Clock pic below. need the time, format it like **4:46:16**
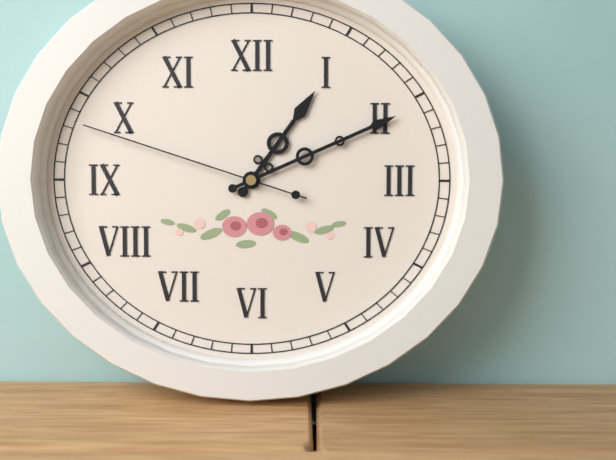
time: **1:11:48**
